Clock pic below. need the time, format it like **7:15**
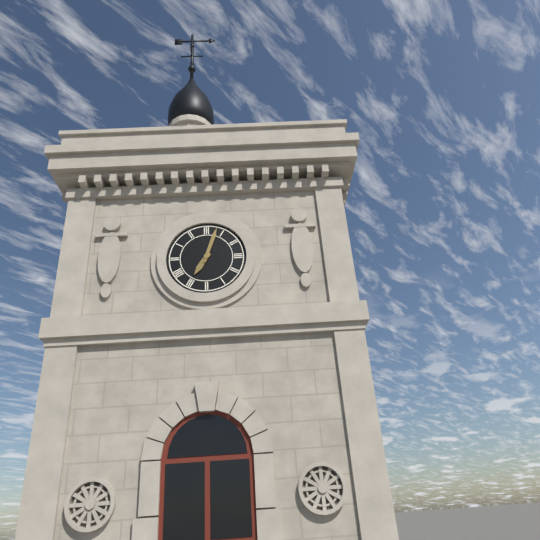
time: **7:03**
